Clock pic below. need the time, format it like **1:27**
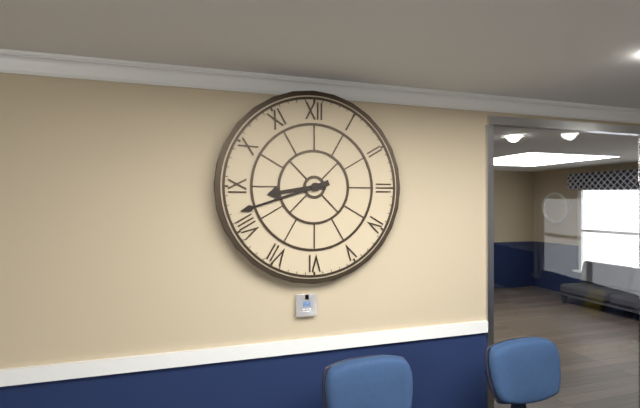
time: **8:42**
